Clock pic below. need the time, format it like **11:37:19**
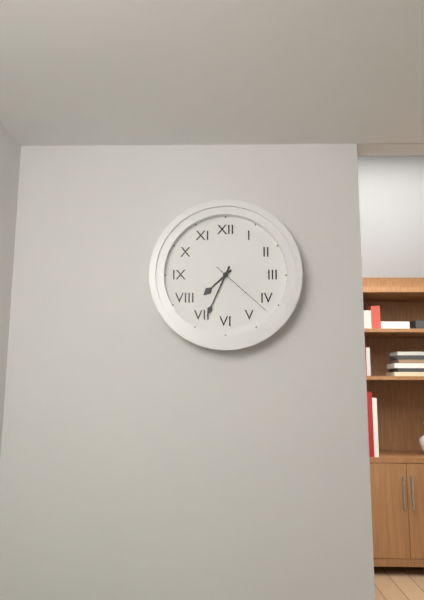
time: **7:34:22**
